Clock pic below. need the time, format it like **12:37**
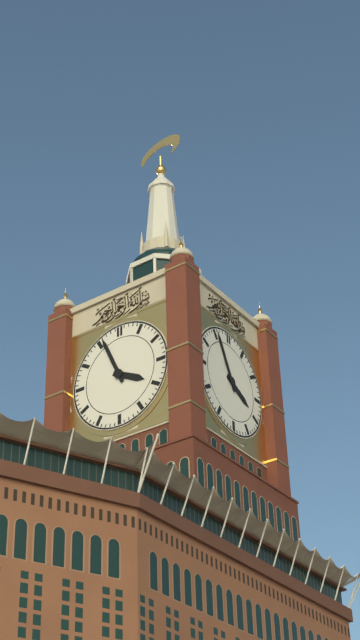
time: **3:56**
